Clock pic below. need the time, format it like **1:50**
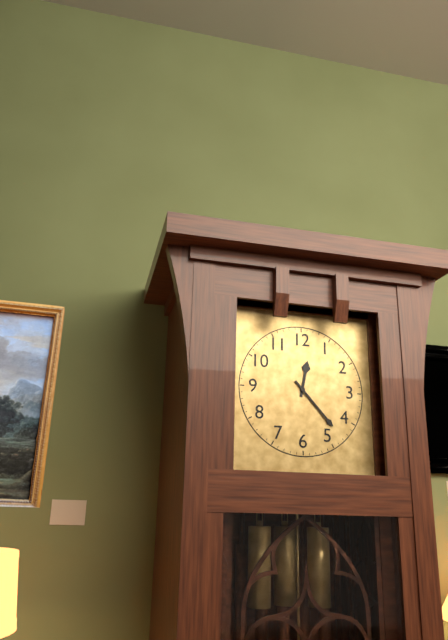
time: **12:23**
